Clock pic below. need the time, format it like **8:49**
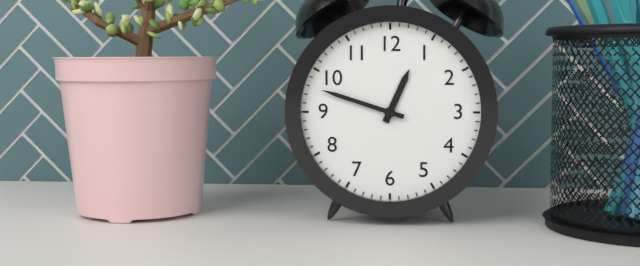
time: **12:48**
